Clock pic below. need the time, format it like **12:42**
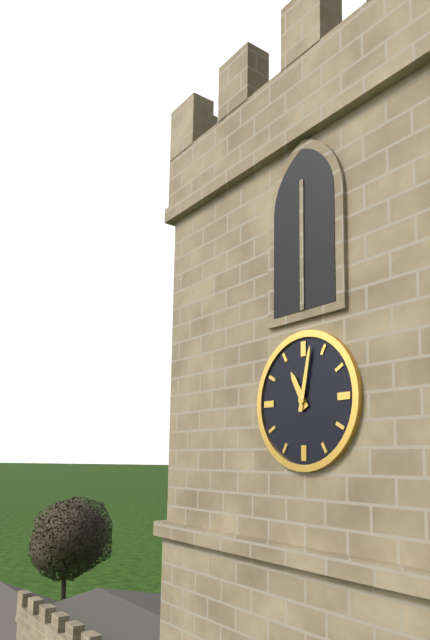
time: **11:02**
